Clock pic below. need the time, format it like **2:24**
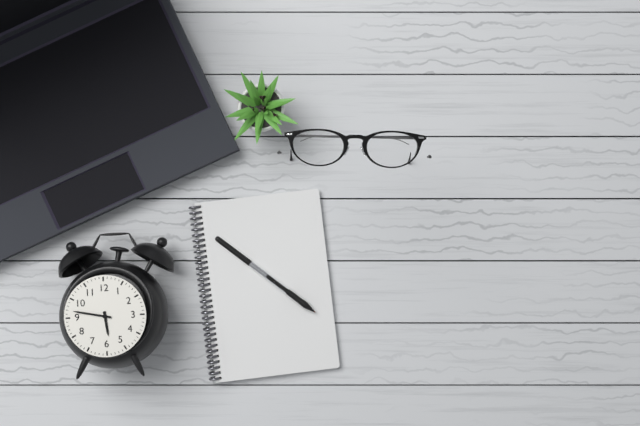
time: **5:47**
